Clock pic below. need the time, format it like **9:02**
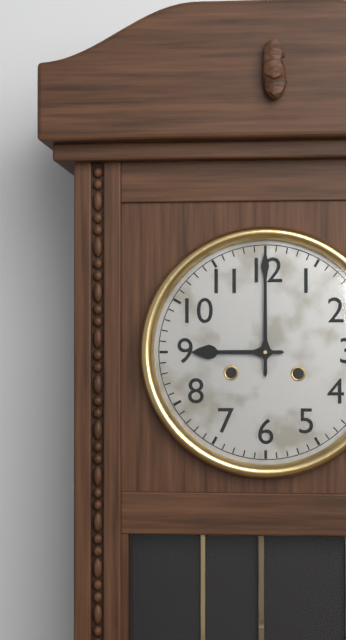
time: **9:00**
